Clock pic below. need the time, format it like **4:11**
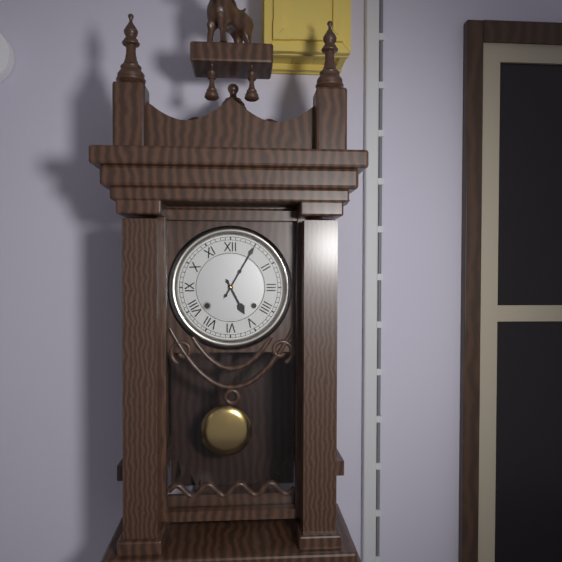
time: **5:05**
